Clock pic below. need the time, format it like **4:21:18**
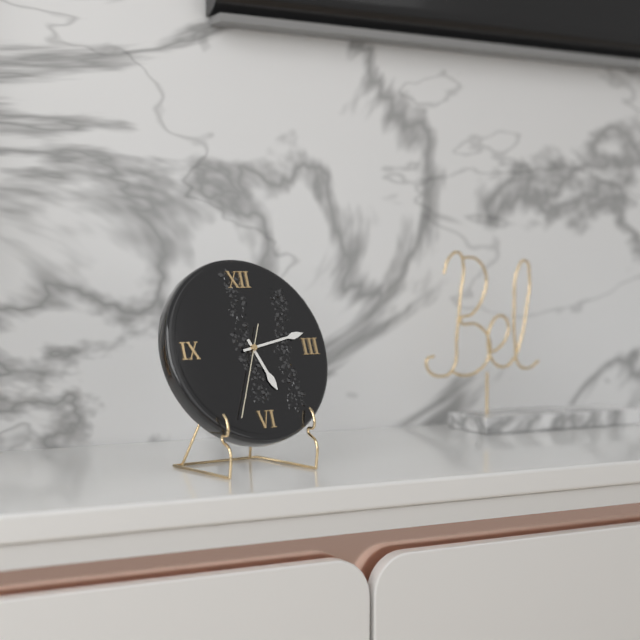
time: **5:13:34**
